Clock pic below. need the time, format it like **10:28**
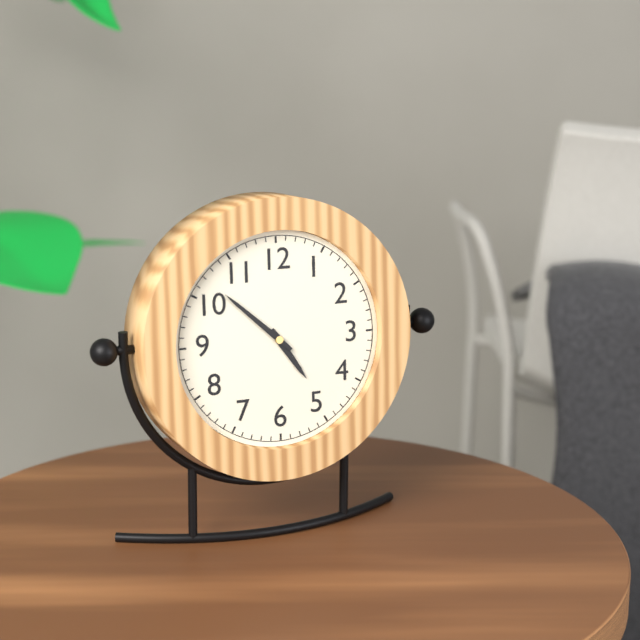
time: **4:52**
